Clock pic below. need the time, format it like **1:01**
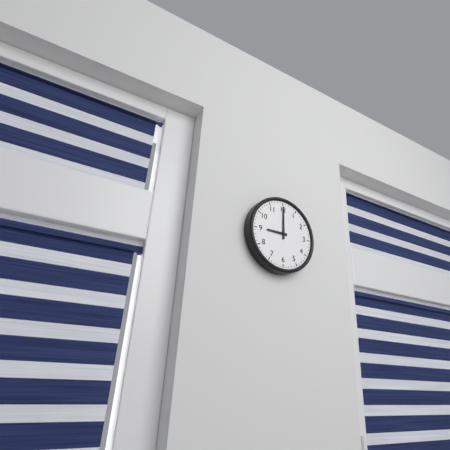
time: **9:00**
